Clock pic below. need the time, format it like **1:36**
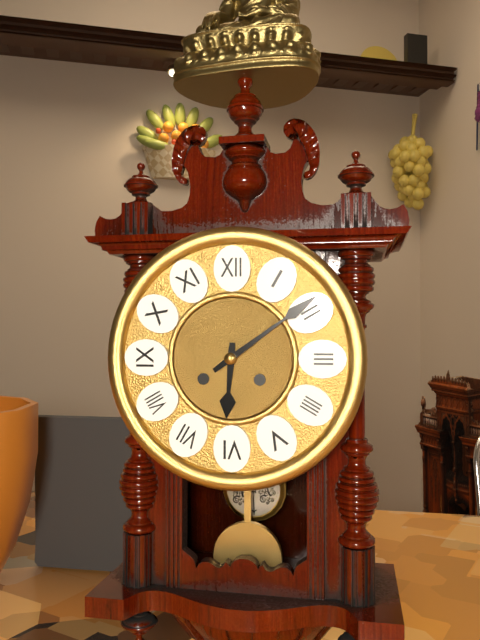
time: **6:09**
